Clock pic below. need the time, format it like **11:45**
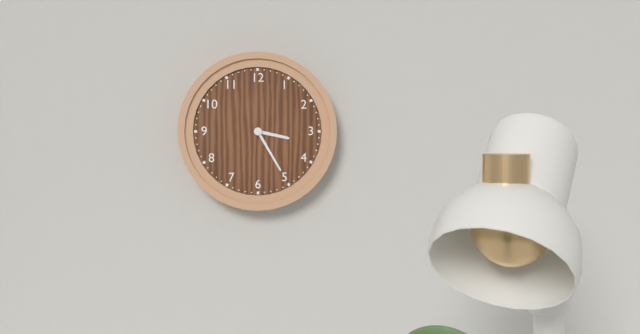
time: **3:25**
